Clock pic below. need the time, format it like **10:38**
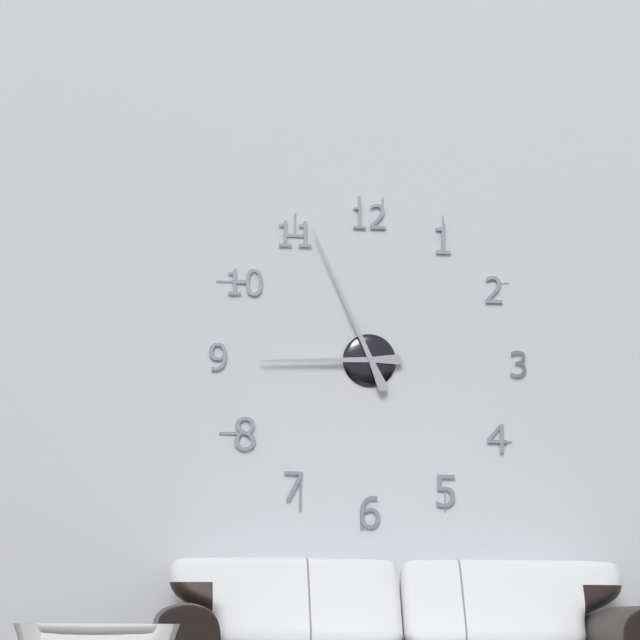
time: **8:56**
